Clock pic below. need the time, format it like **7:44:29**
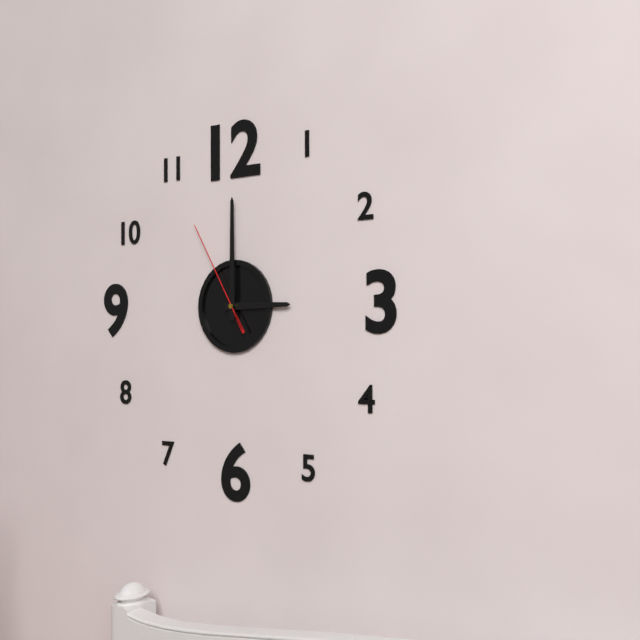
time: **3:00:55**
